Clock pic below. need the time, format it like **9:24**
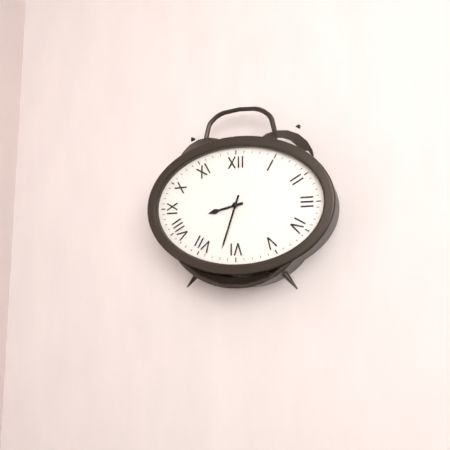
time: **8:33**
